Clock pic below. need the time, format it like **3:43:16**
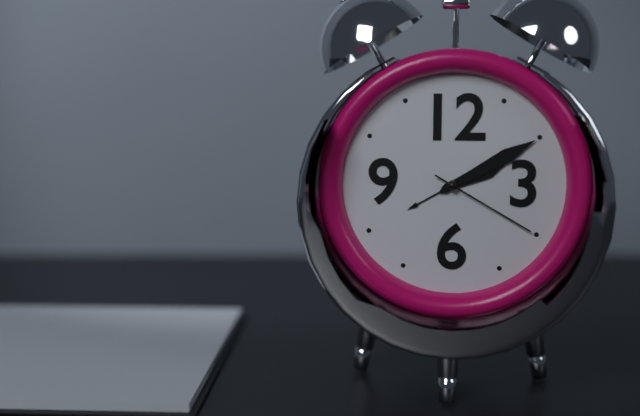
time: **2:10:20**
